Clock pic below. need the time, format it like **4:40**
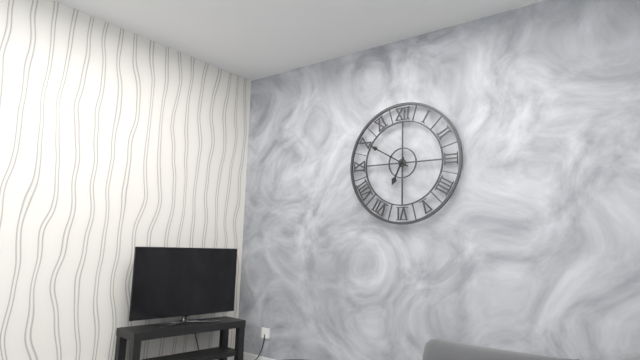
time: **6:50**
